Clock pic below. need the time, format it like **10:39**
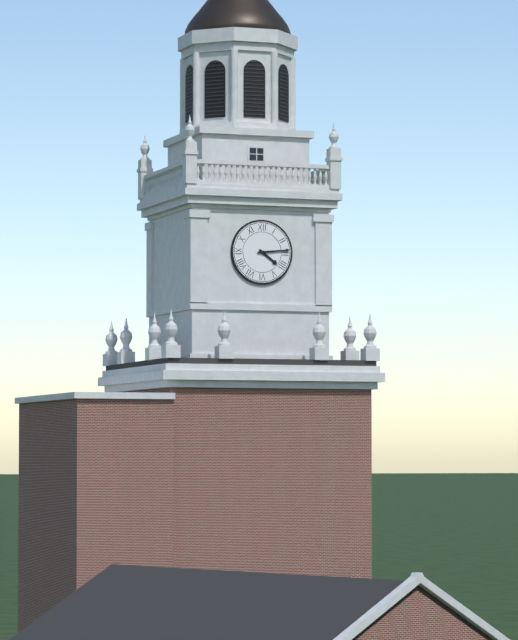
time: **4:14**
